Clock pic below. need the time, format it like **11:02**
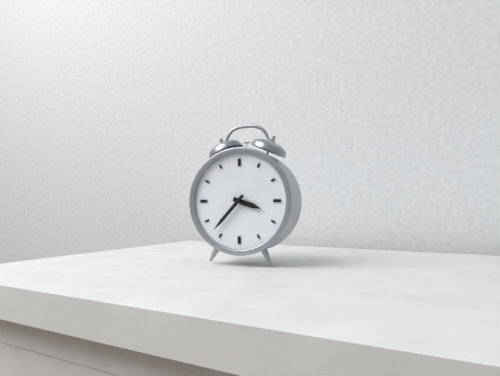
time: **3:37**
